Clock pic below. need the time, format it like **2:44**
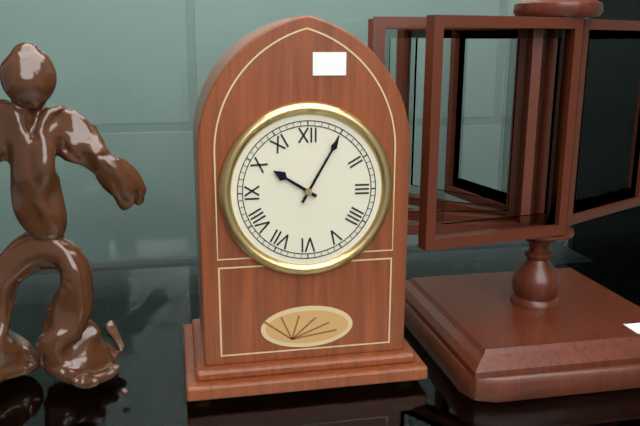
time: **10:05**
